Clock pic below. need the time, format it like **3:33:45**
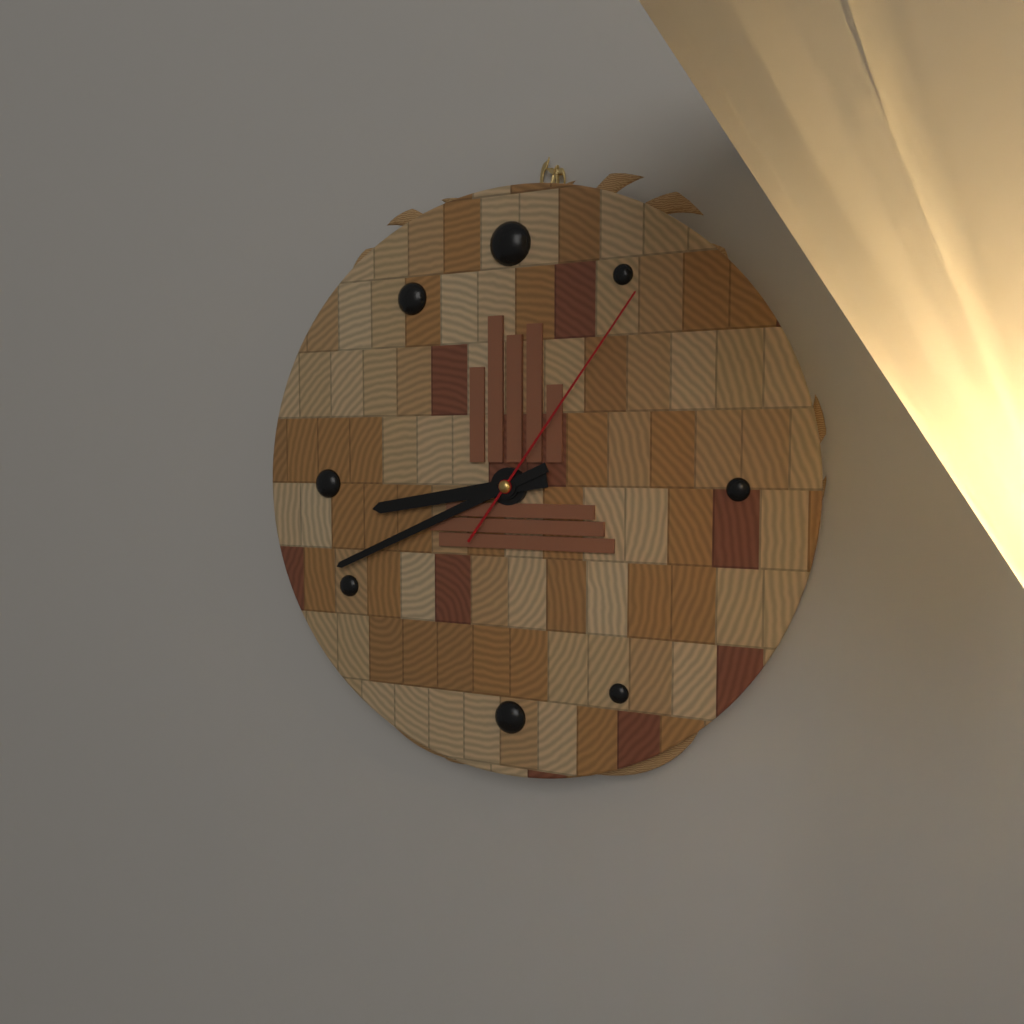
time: **8:41:06**
